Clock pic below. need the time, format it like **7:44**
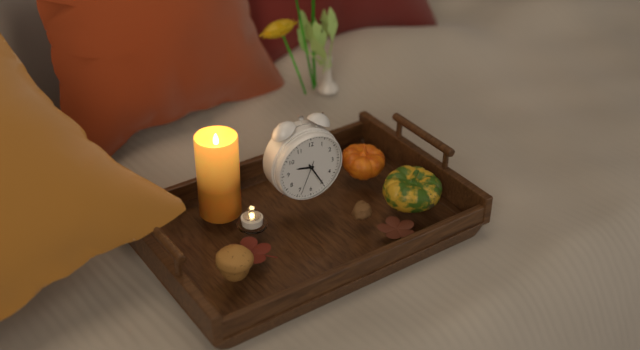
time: **9:25**
